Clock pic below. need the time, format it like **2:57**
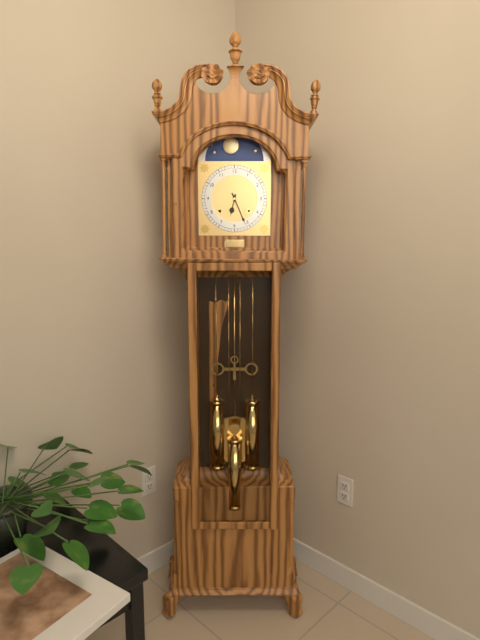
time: **6:26**
